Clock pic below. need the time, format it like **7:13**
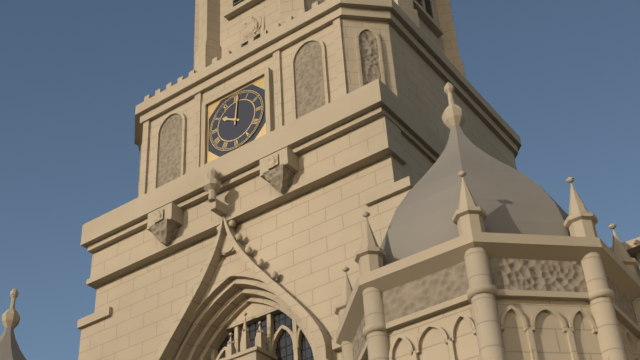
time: **10:01**
